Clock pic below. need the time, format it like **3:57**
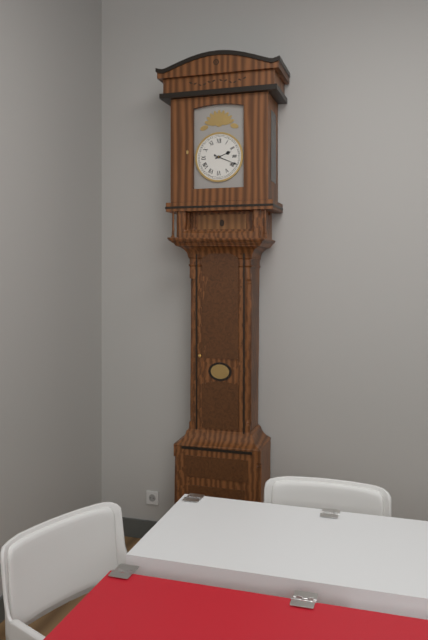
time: **2:19**
